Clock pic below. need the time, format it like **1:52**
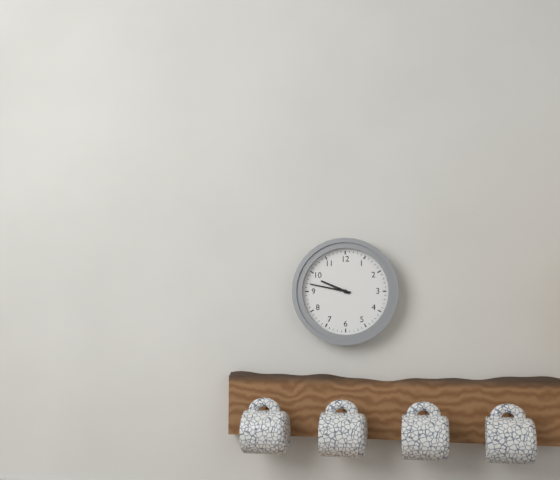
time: **9:47**
